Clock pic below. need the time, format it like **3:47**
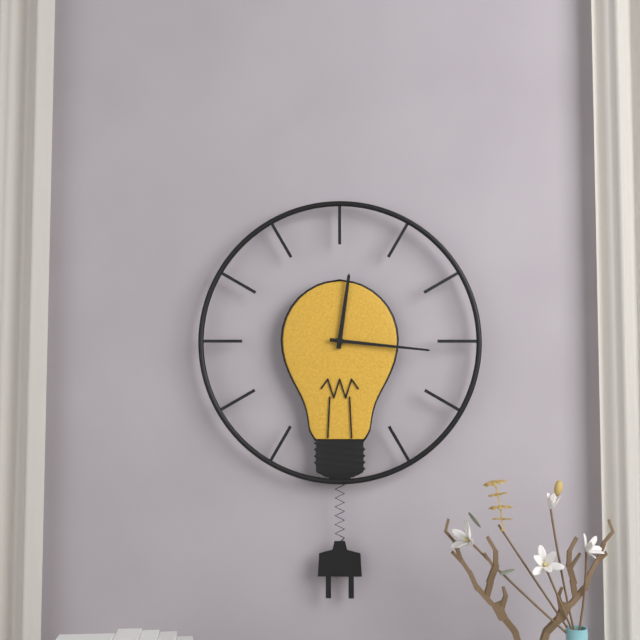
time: **12:16**
